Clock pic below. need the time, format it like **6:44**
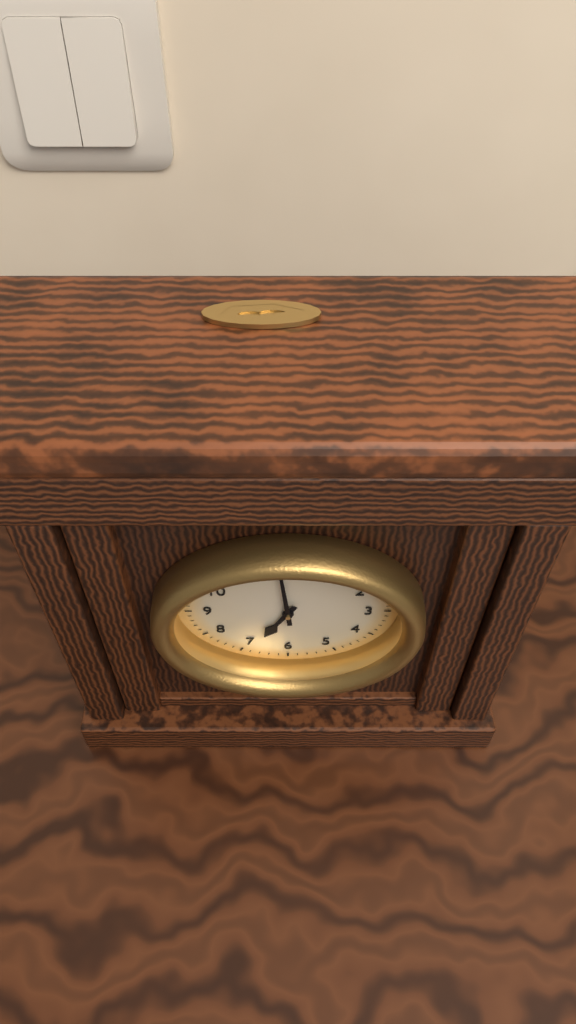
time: **6:59**
